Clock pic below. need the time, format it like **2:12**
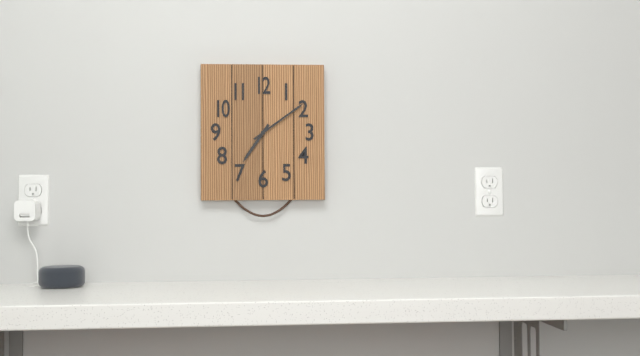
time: **7:09**
